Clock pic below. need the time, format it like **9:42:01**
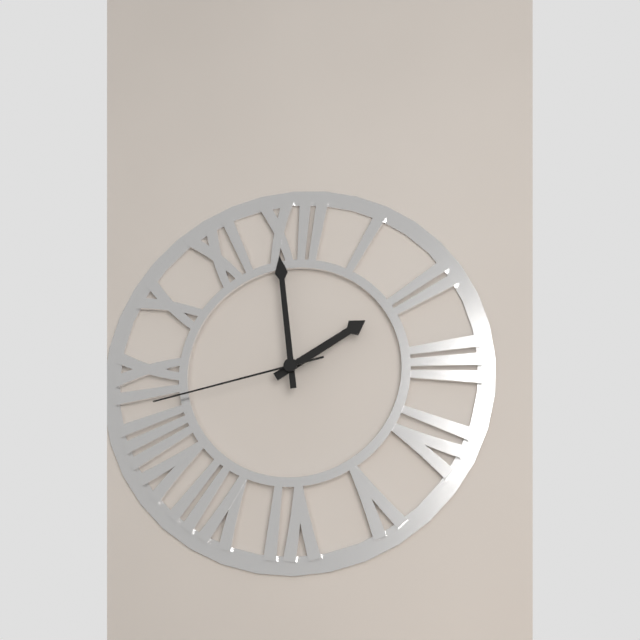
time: **1:59:43**
